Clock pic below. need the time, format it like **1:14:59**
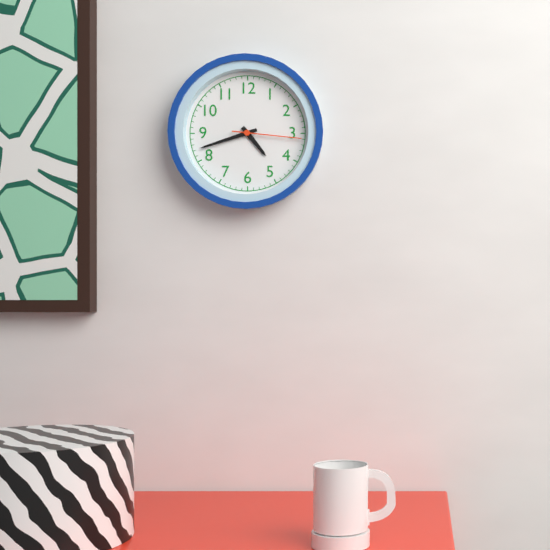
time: **4:42:16**
